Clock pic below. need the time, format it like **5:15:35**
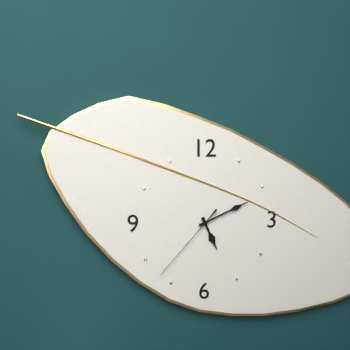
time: **5:11:37**
